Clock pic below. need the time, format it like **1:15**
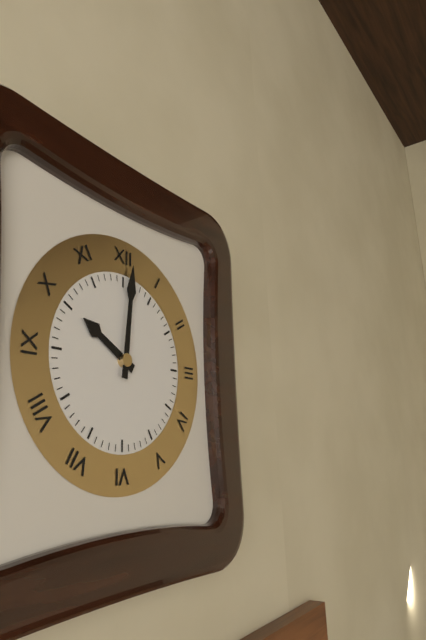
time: **10:01**
